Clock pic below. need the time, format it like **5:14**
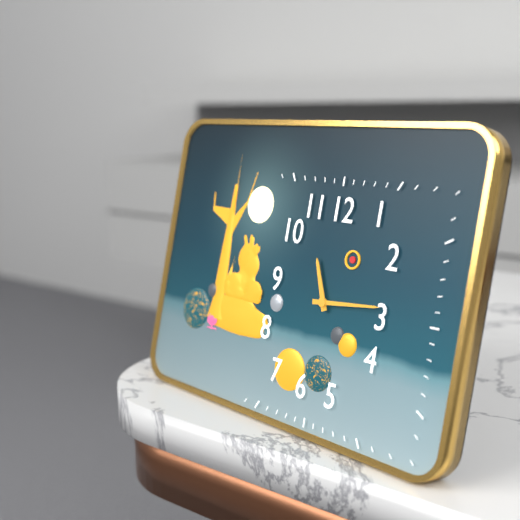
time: **11:14**
